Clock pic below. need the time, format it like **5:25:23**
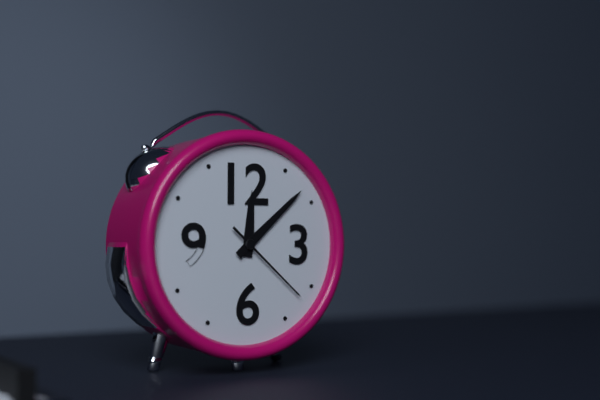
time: **12:08:22**
